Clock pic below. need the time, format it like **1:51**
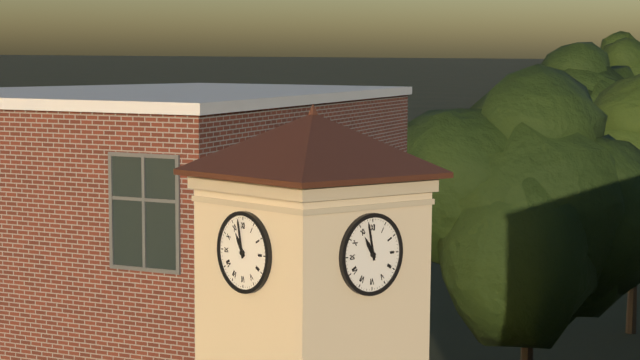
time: **10:58**
